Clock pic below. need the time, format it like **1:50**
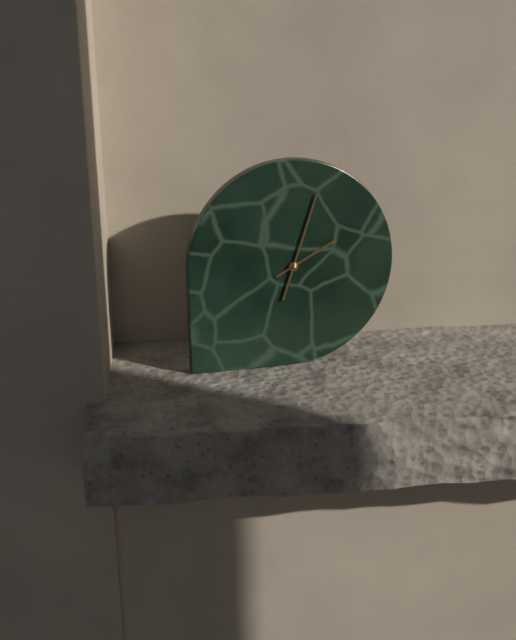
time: **2:03**
